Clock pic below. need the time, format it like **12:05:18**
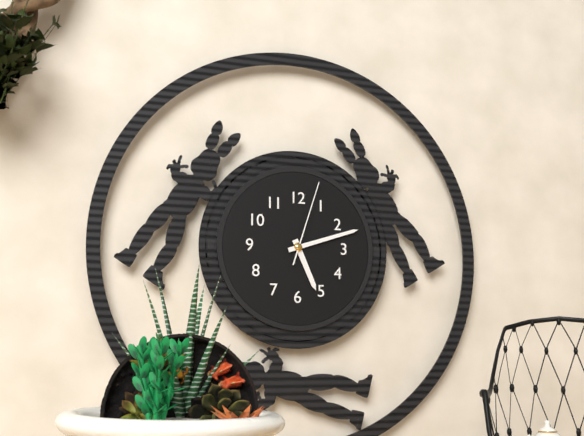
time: **5:12:03**
